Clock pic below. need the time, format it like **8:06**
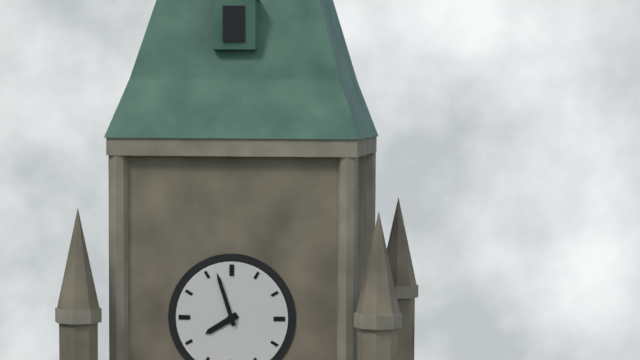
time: **7:57**
